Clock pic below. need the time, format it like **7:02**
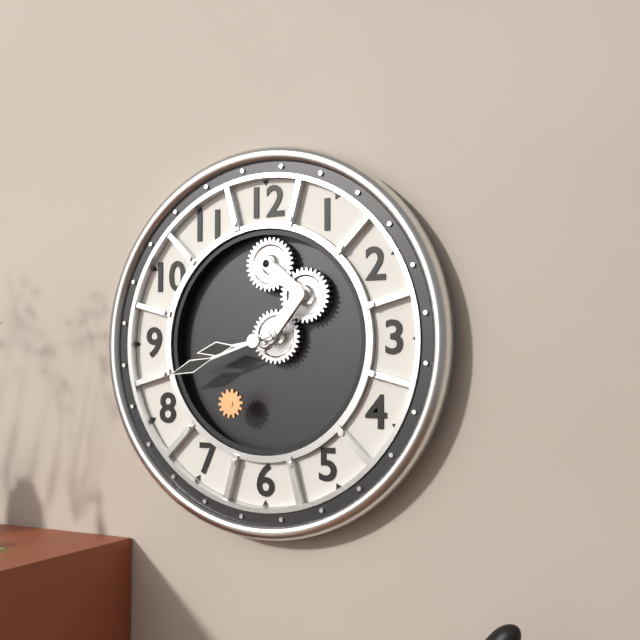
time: **8:42**
